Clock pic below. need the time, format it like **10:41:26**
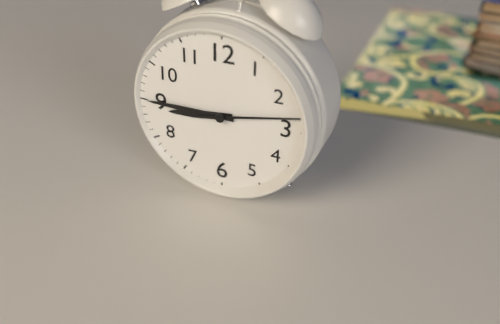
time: **8:45:13**
